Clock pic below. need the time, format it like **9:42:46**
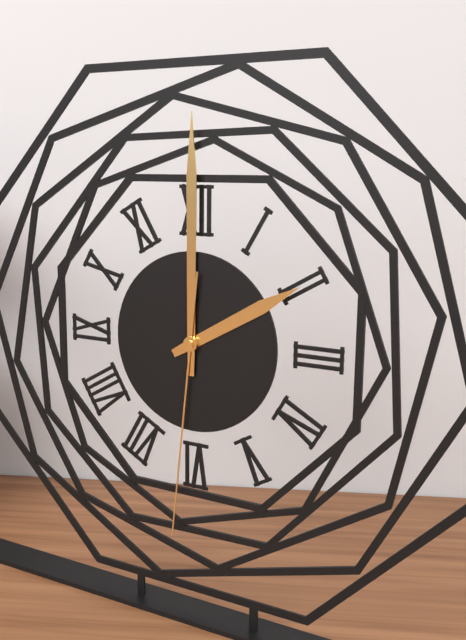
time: **2:00:31**
